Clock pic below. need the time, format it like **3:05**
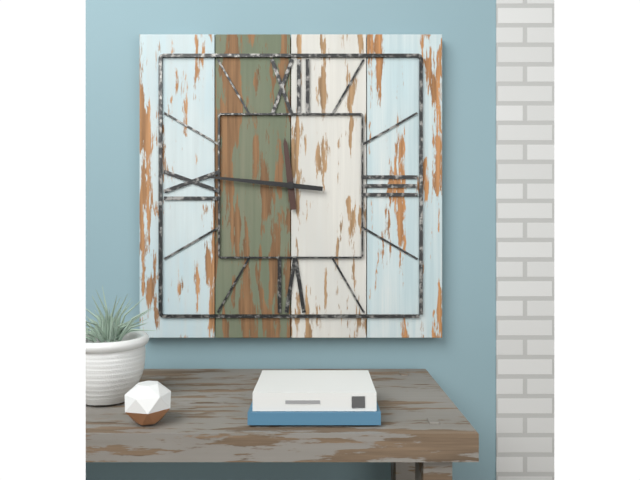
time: **11:46**
